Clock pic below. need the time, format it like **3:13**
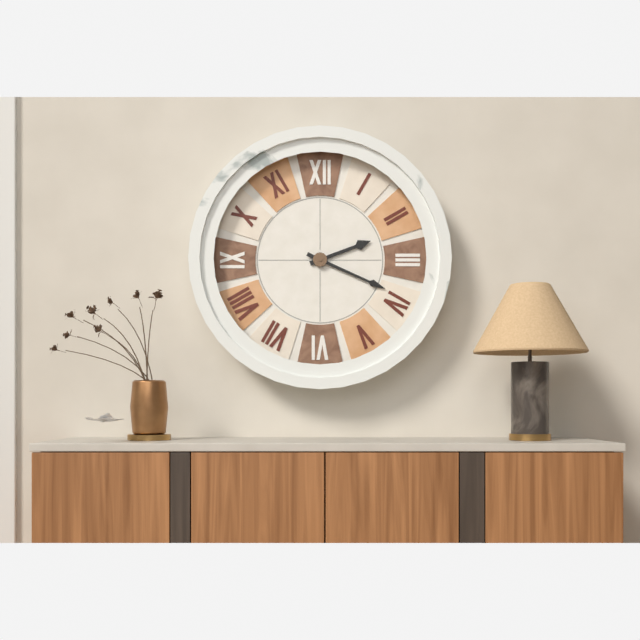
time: **2:19**
